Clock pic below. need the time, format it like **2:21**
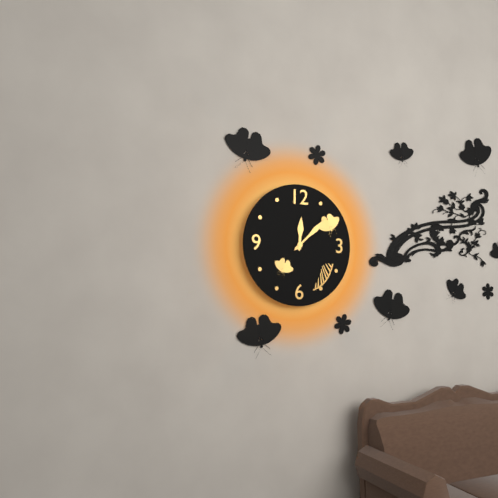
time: **12:08**
